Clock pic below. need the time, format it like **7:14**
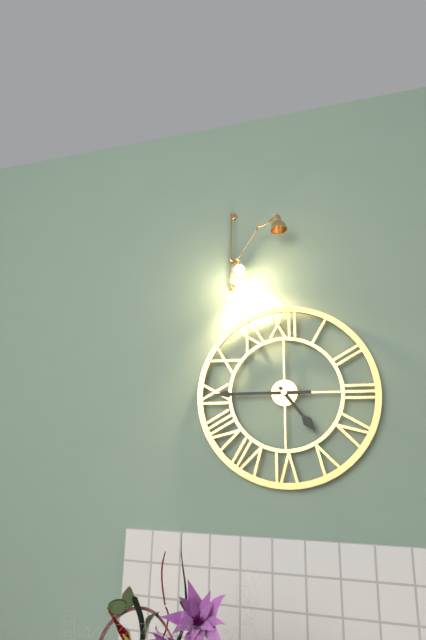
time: **4:45**
